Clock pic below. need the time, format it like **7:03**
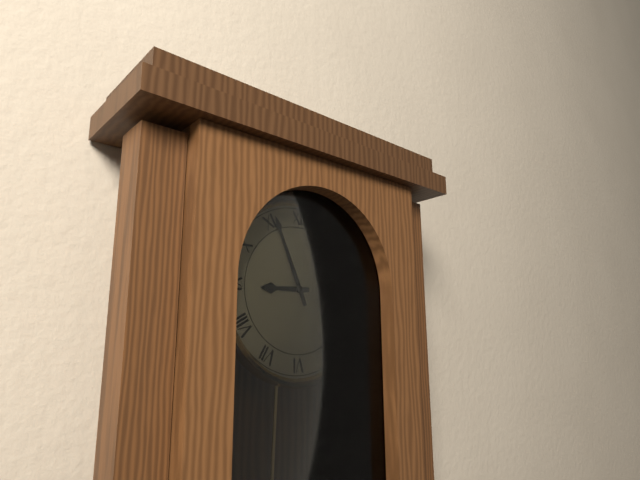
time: **8:56**
